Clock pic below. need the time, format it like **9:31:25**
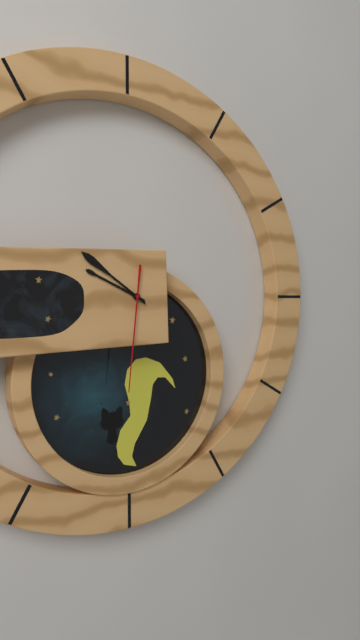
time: **9:51:31**
